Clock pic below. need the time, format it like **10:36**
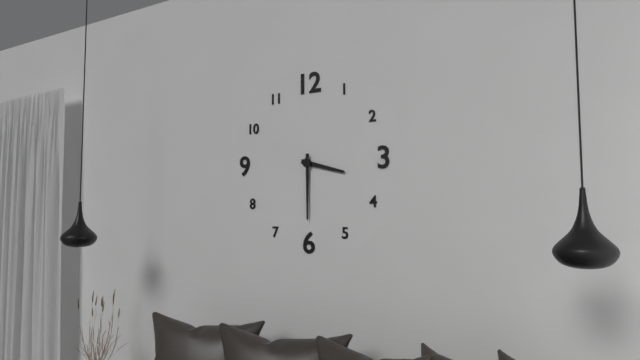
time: **3:30**
